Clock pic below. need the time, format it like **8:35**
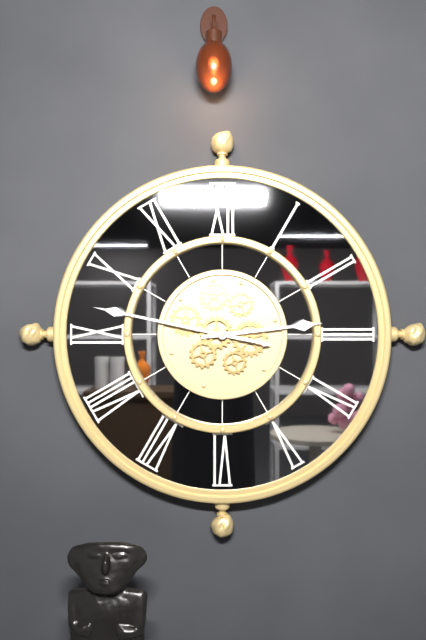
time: **2:47**
